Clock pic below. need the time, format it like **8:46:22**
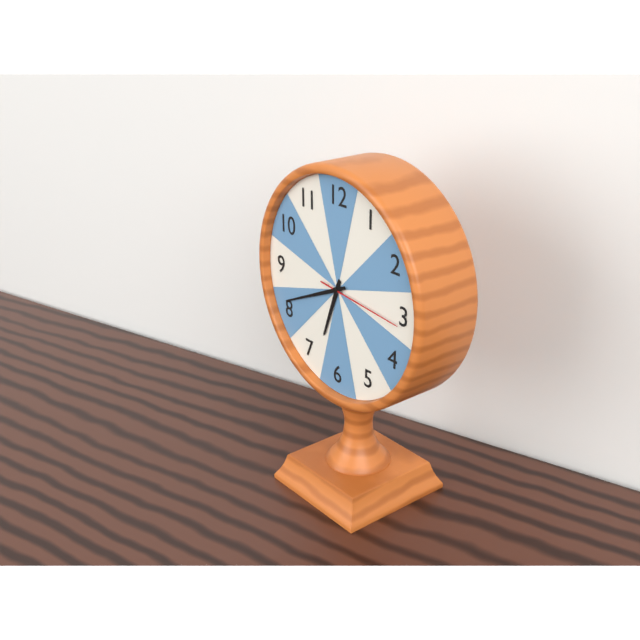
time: **6:41:16**
